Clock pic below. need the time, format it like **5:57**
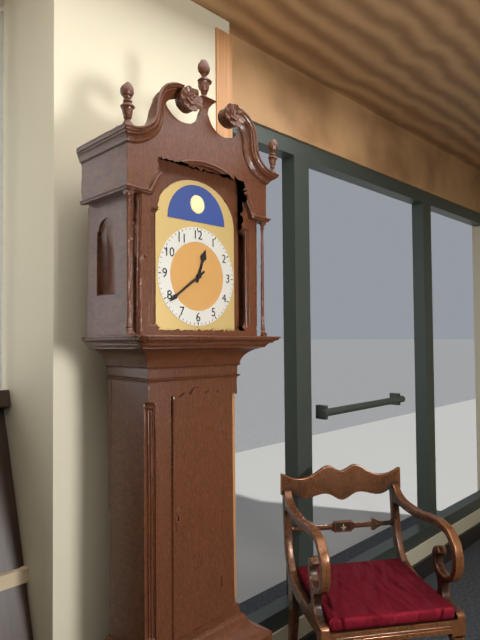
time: **12:39**
